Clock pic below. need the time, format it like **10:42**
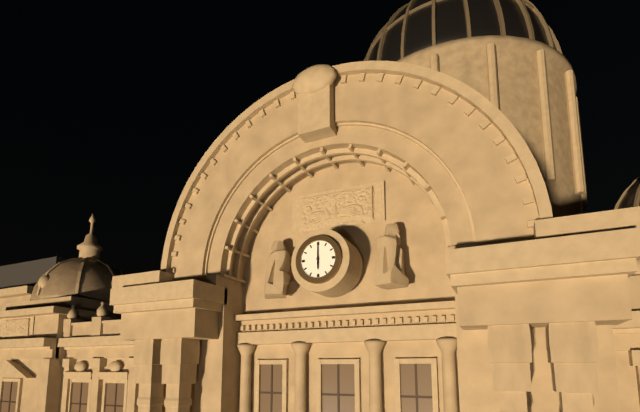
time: **6:00**
